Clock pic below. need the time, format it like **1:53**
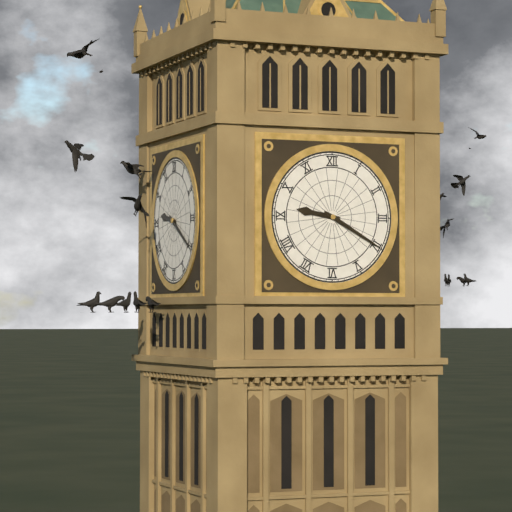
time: **9:20**
